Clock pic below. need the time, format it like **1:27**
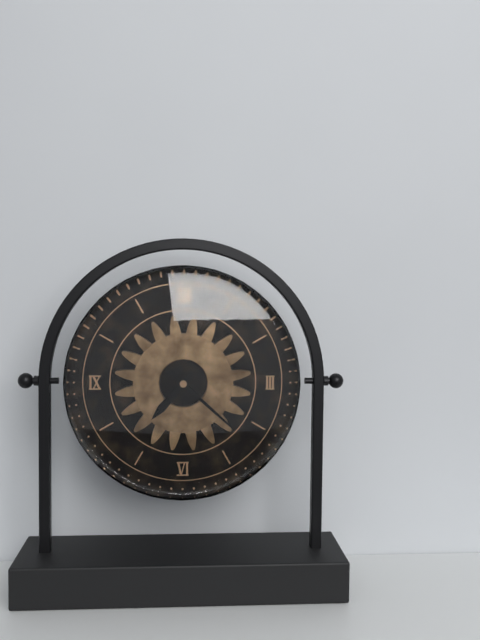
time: **7:22**
